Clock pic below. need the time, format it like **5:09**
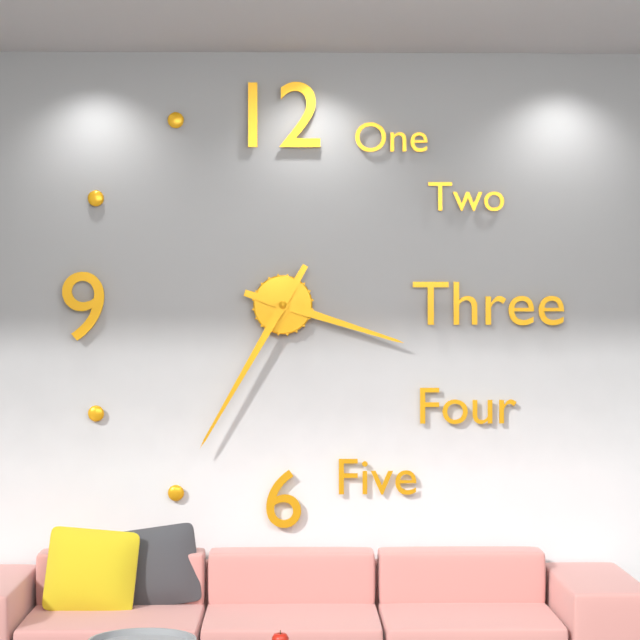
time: **3:35**
